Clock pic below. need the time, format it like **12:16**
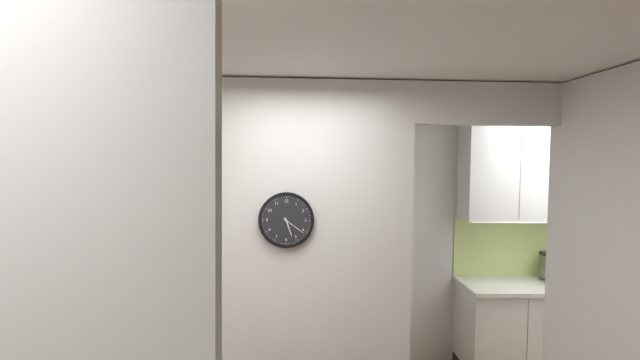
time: **5:21**
